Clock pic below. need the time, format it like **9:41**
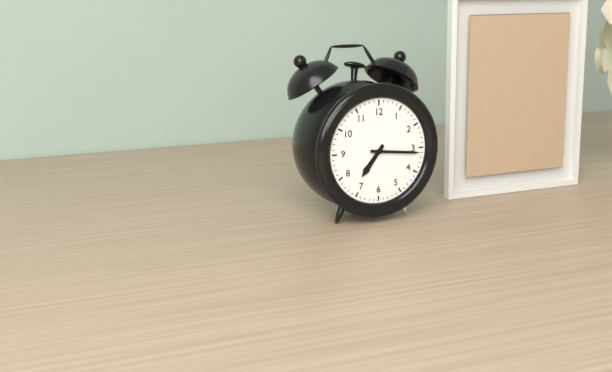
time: **7:16**
